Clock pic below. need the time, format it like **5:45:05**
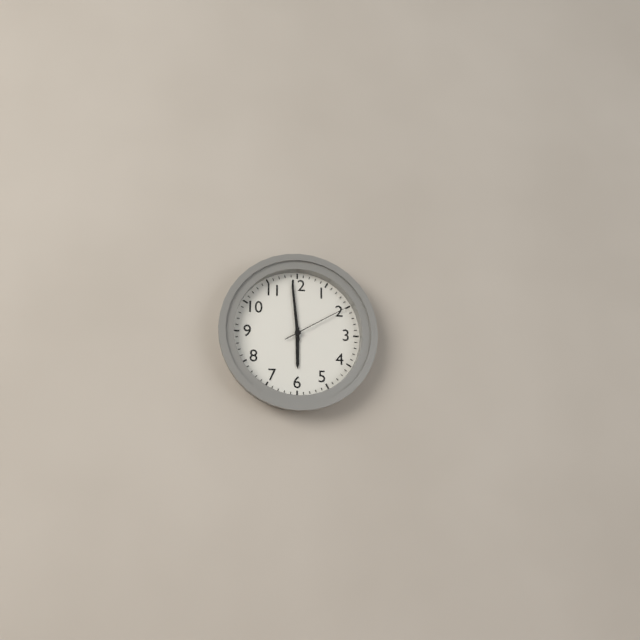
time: **5:59:10**
